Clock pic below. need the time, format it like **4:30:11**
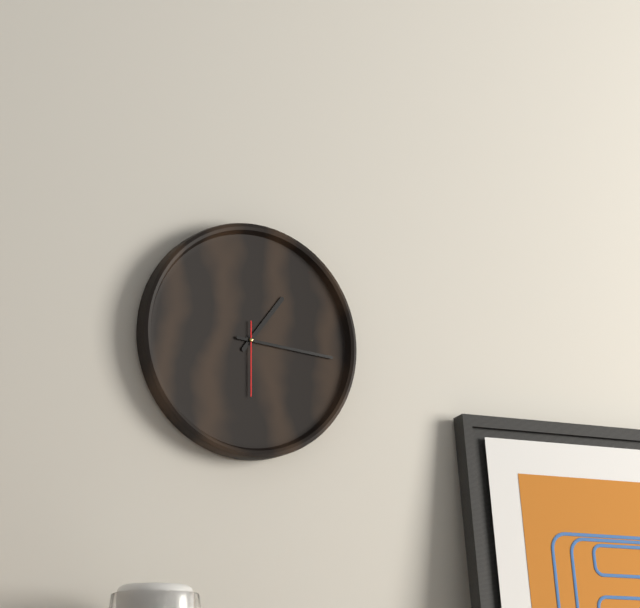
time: **1:16:30**
